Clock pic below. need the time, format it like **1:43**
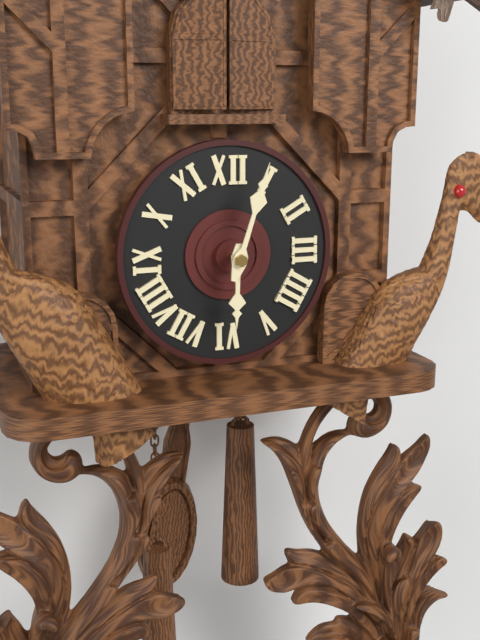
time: **6:03**
